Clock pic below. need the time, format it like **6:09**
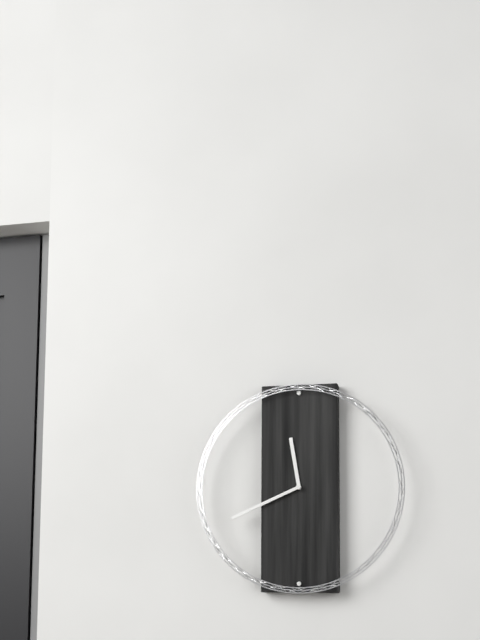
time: **11:41**
